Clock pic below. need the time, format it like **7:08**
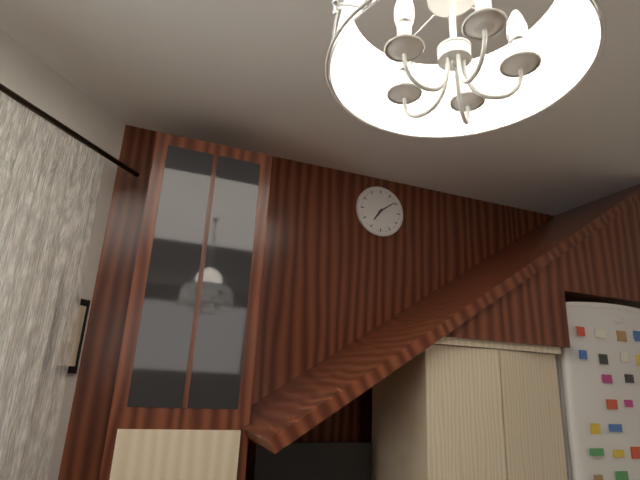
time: **7:09**
